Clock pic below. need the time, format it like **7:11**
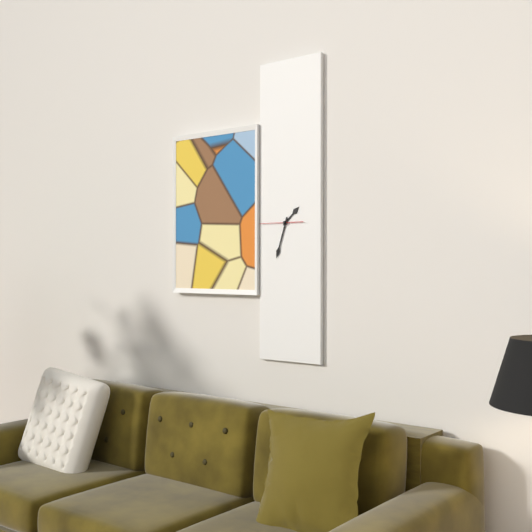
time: **1:33**
